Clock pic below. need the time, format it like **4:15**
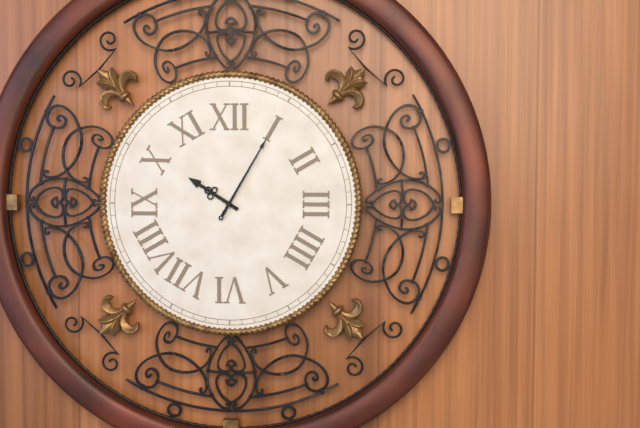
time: **10:05**
